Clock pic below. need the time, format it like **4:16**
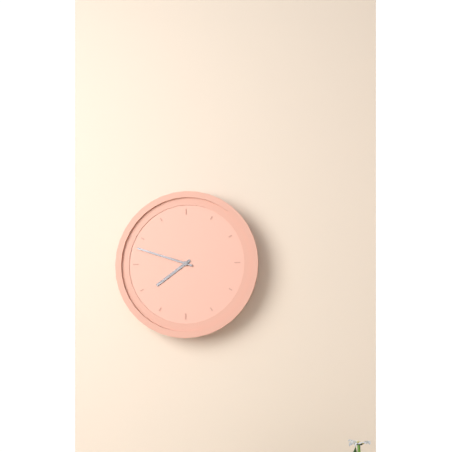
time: **7:48**
